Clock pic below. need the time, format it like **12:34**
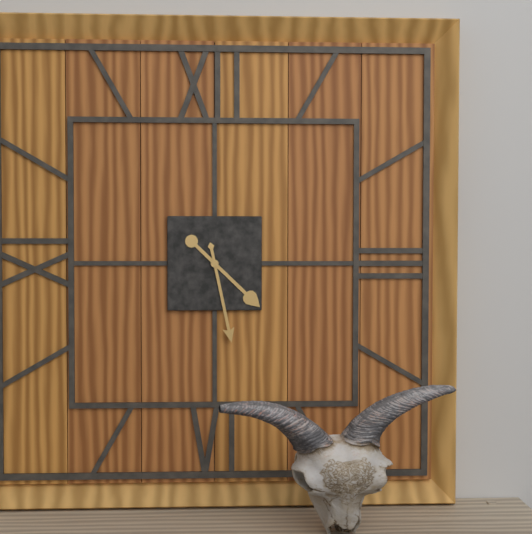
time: **4:28**
